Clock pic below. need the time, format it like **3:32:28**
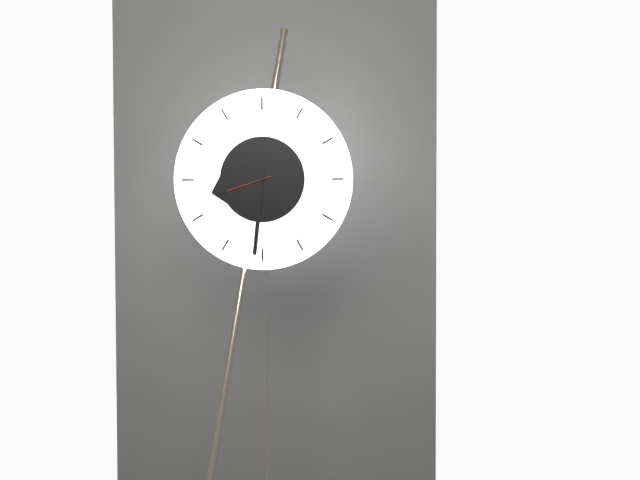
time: **8:31:42**
